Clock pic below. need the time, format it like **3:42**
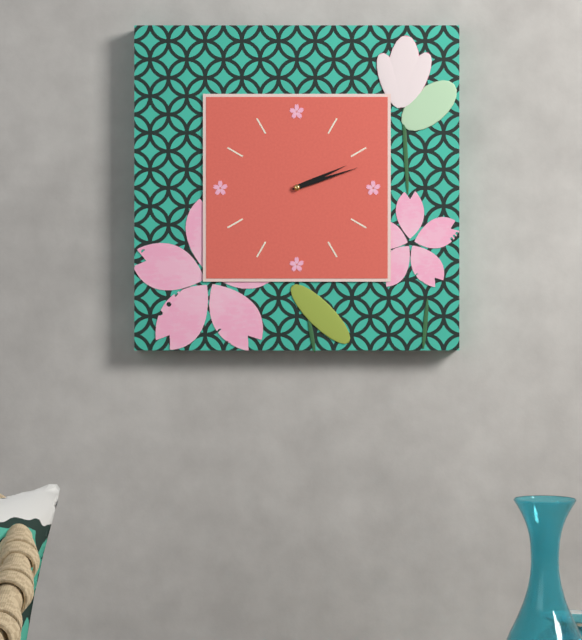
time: **2:12**
